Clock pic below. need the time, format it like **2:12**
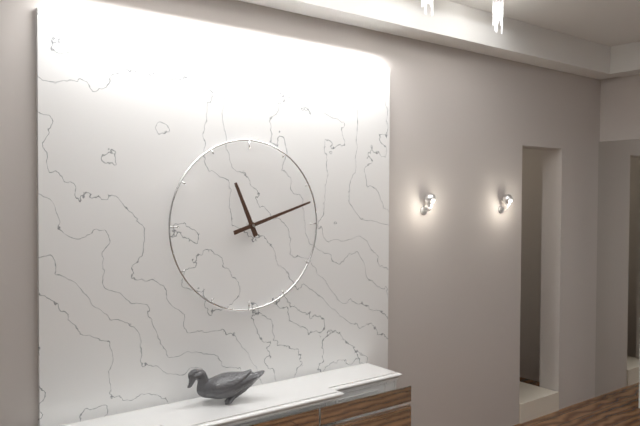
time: **11:12**
